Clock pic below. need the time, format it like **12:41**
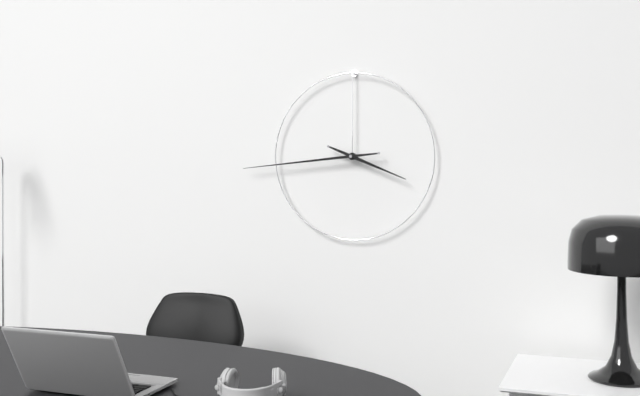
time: **3:44**
